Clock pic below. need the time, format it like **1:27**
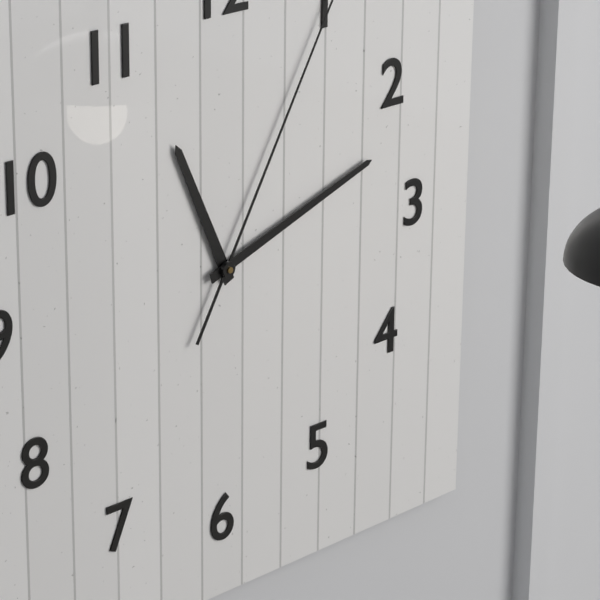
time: **11:12**
